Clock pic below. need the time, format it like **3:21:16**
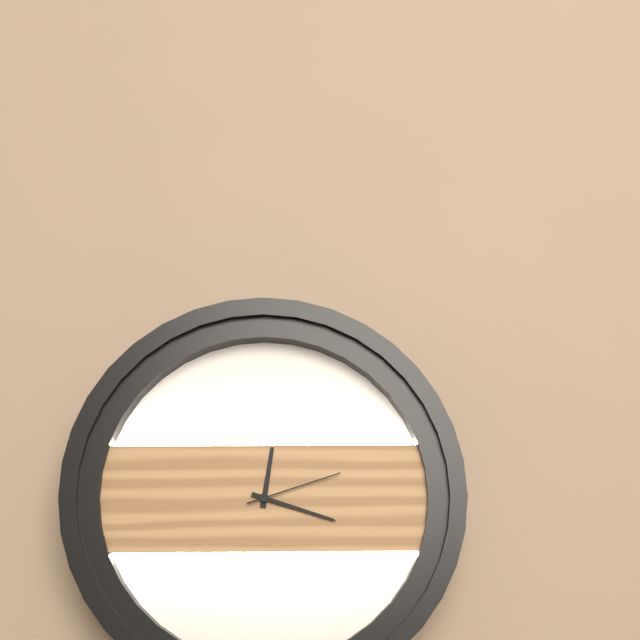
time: **12:18:12**
